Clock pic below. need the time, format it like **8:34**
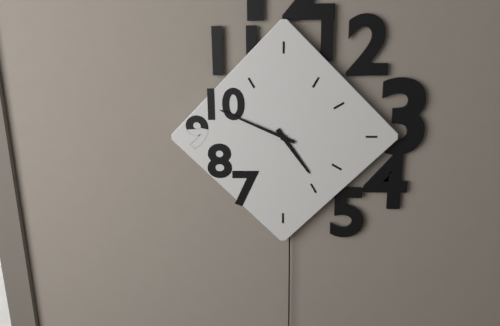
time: **4:49**
